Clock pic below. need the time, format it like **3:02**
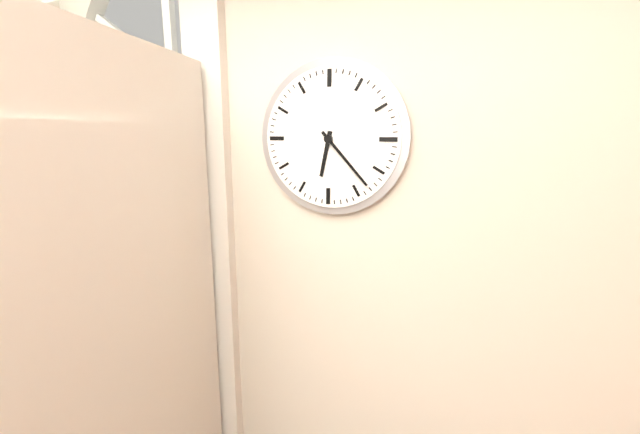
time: **6:23**
